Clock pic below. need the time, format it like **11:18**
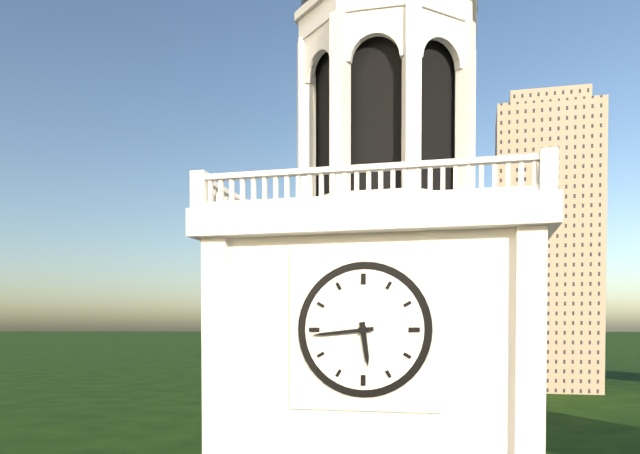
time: **5:44**
